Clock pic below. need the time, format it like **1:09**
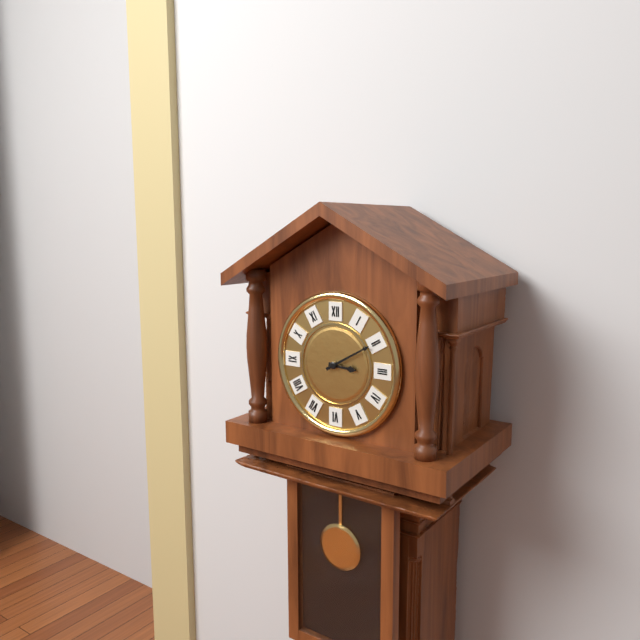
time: **3:10**
